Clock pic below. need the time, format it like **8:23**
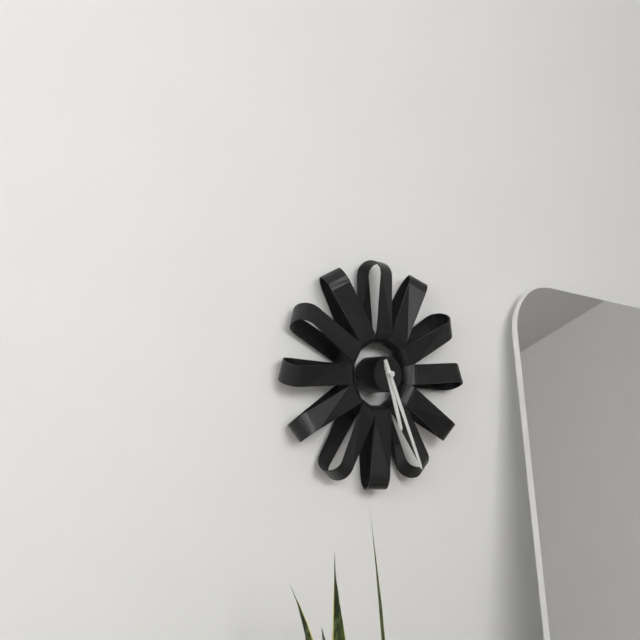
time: **5:26**
